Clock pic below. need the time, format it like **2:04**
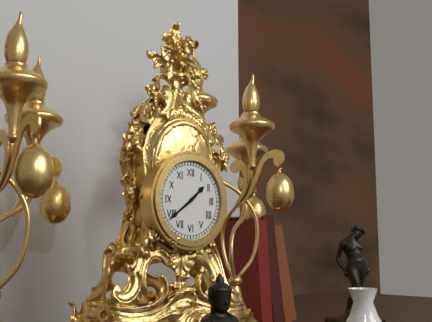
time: **1:39**
